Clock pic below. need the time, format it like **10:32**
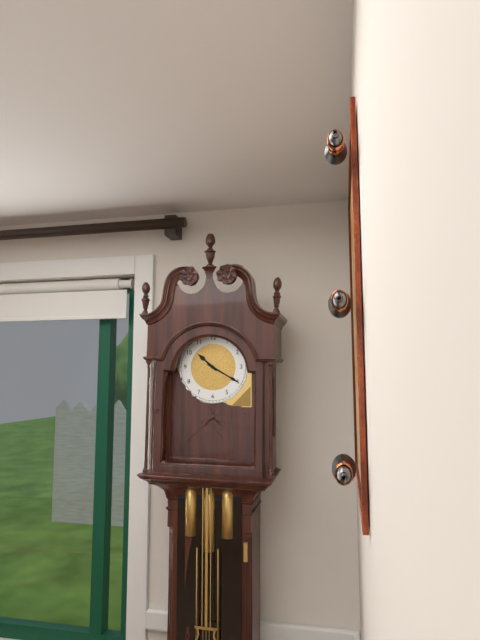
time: **10:20**
